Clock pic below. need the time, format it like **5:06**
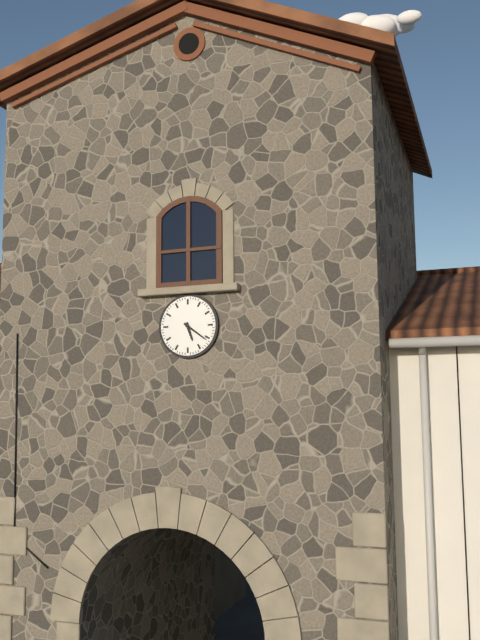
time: **5:21**
